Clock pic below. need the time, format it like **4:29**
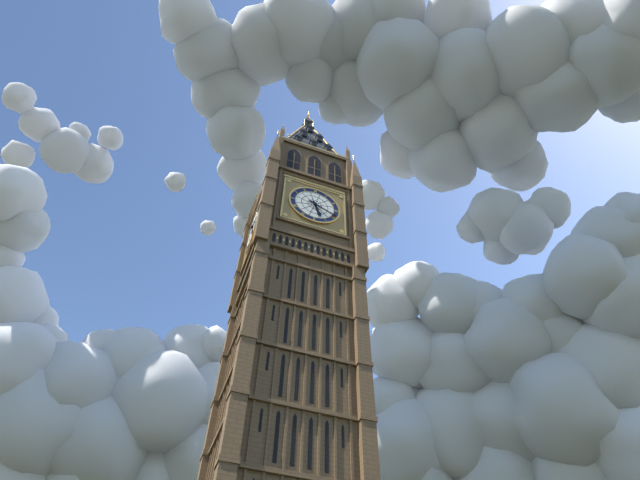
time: **5:19**
